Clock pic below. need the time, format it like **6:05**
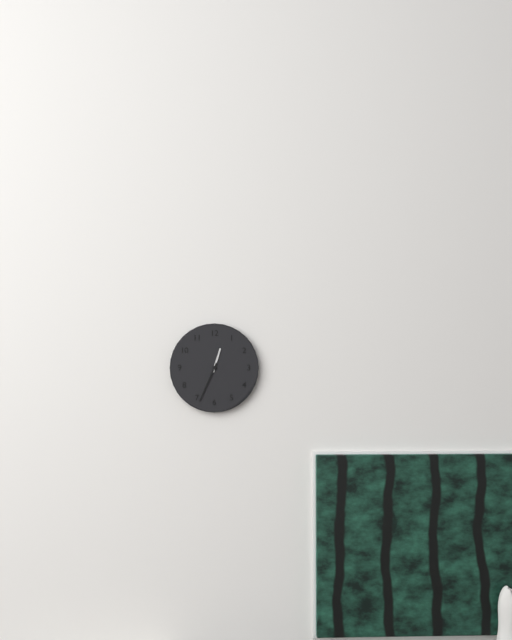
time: **12:34**
